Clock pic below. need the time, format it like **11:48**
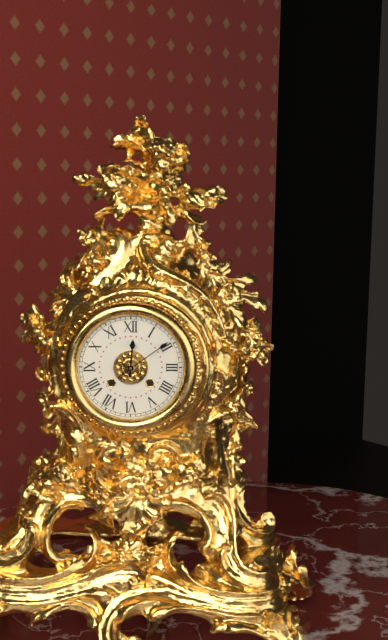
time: **12:09**
